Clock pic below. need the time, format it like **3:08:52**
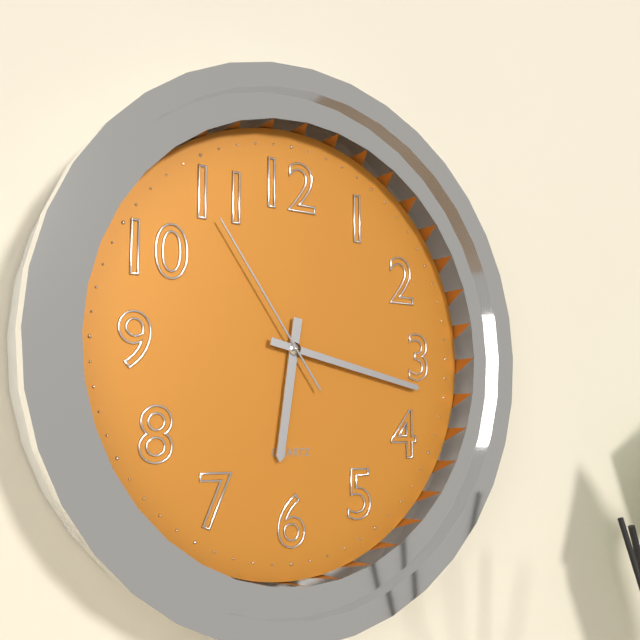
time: **6:17:54**
